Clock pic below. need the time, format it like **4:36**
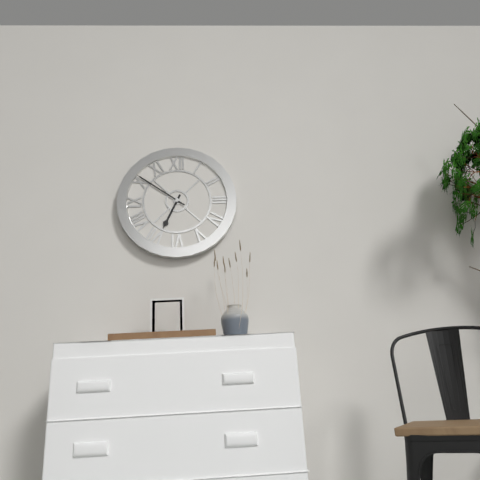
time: **6:51**
